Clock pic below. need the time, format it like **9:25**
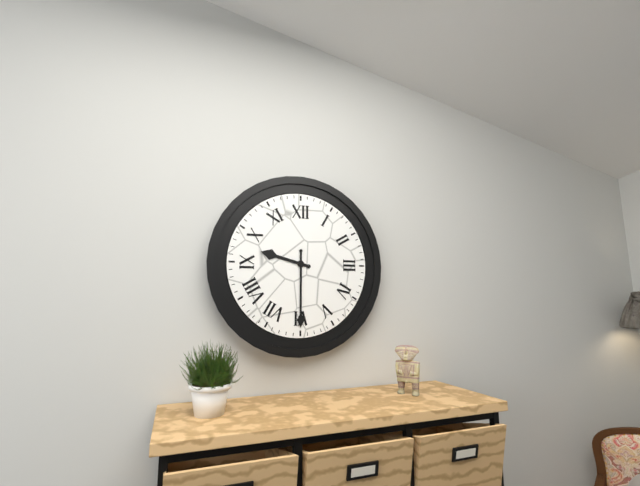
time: **9:30**
